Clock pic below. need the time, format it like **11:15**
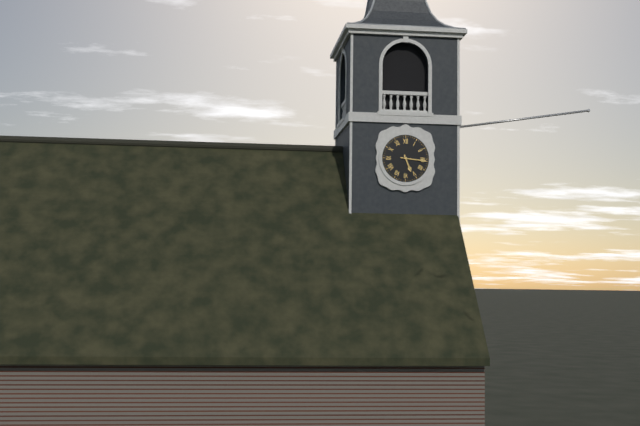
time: **5:16**
